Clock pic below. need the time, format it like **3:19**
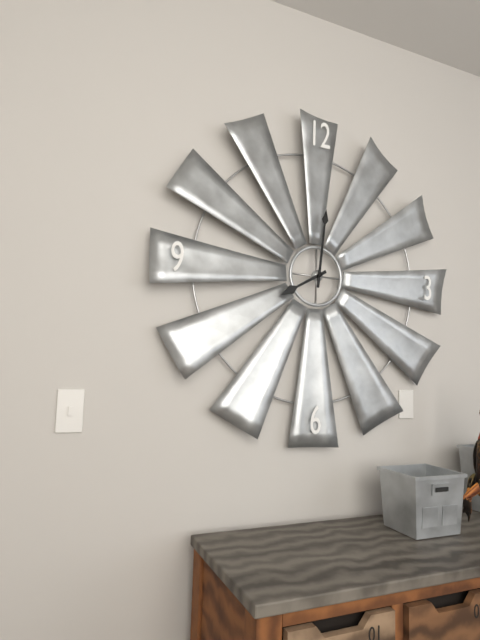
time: **8:01**
